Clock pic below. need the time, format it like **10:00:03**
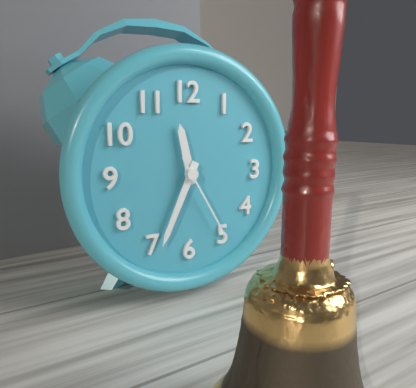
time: **11:34:25**
